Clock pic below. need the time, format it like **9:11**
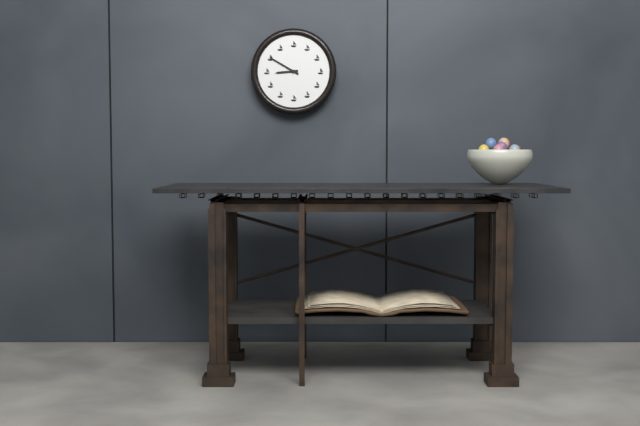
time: **8:50**
